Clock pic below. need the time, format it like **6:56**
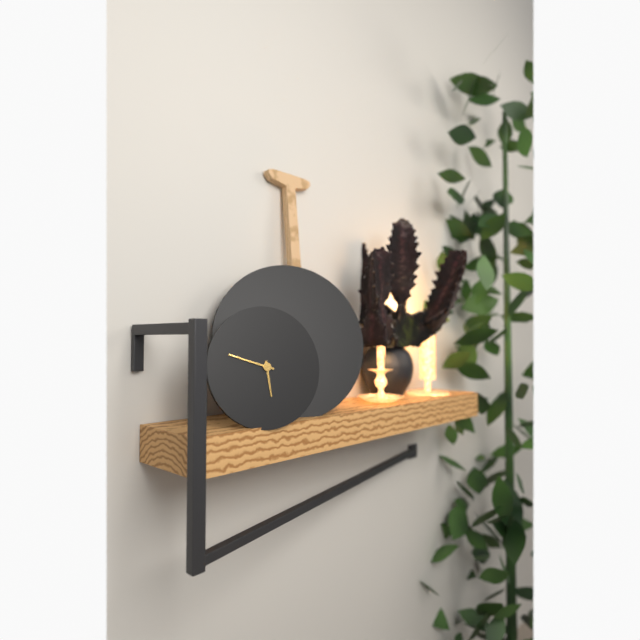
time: **5:48**
